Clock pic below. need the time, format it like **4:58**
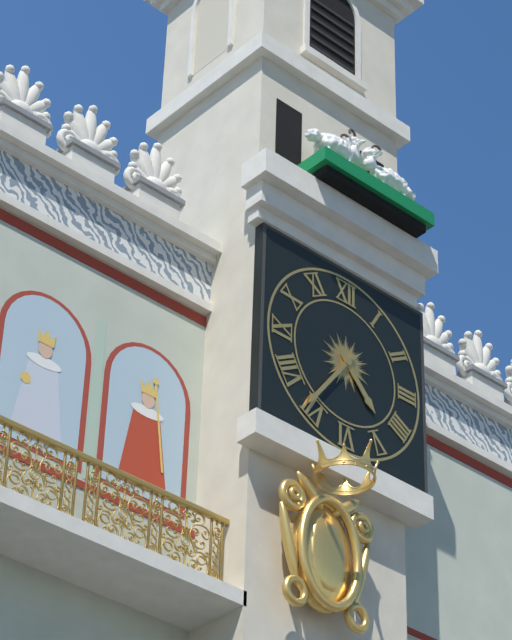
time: **4:36**
